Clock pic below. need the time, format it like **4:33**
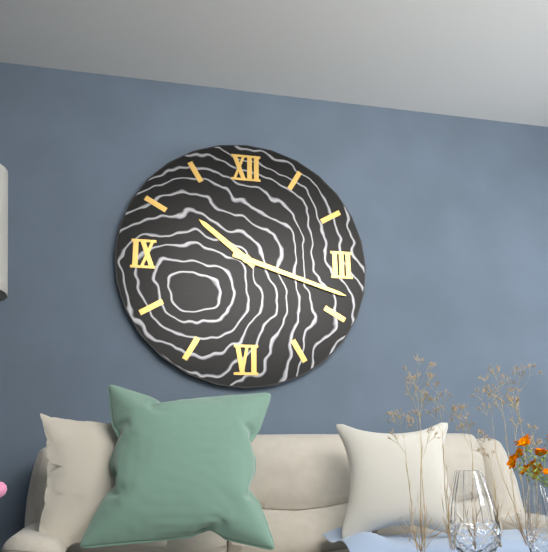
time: **10:18**
